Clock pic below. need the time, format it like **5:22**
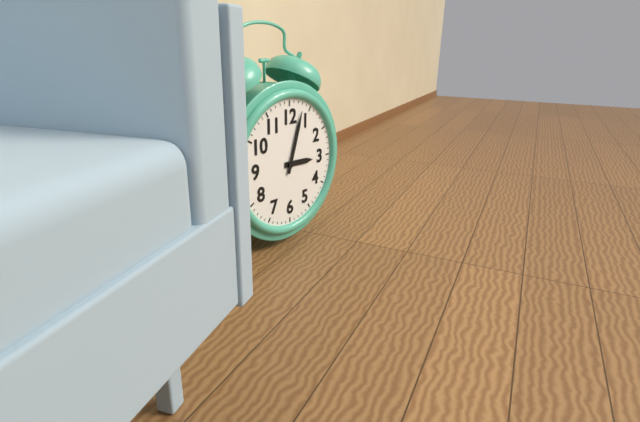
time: **3:03**
